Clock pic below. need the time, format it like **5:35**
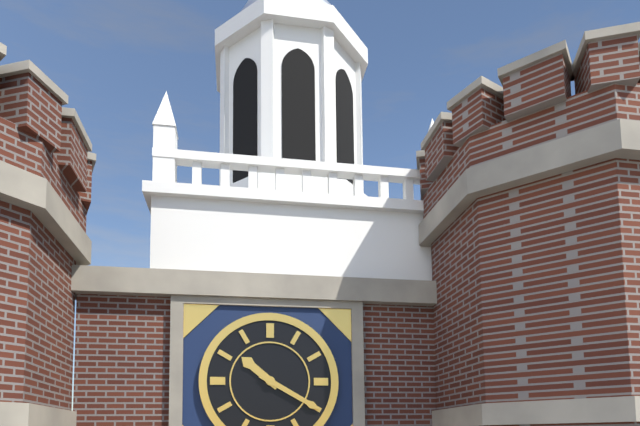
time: **10:20**
